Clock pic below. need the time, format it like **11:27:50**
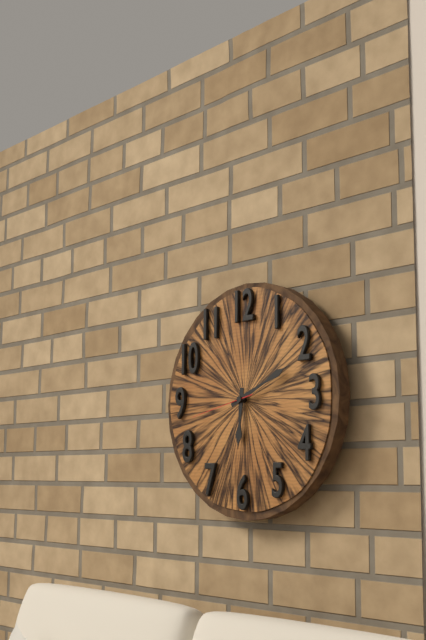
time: **6:11:43**
